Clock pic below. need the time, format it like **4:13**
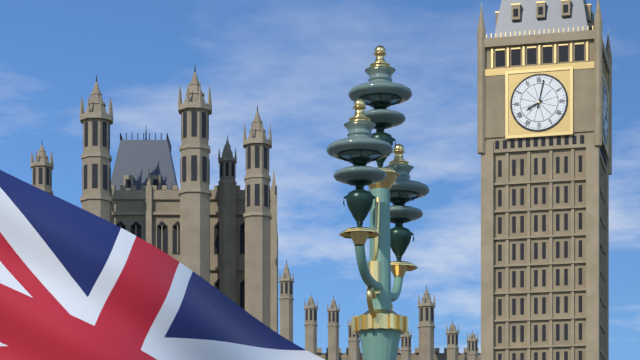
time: **8:02**
